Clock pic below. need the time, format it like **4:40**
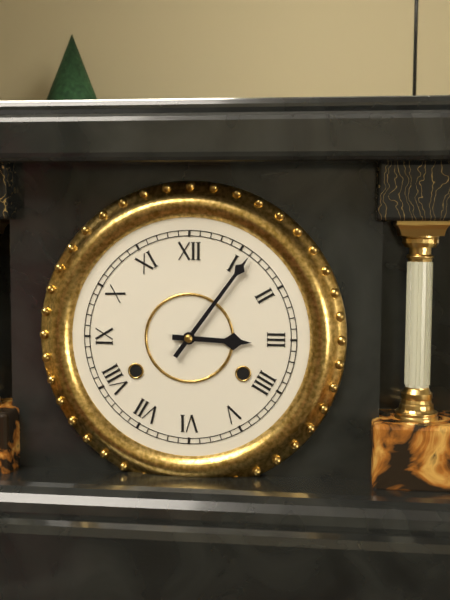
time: **3:06**
